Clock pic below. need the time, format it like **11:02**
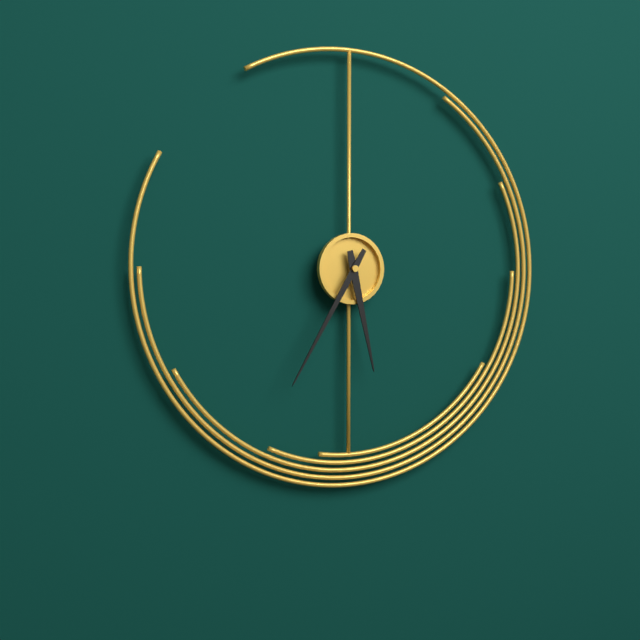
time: **5:35**
